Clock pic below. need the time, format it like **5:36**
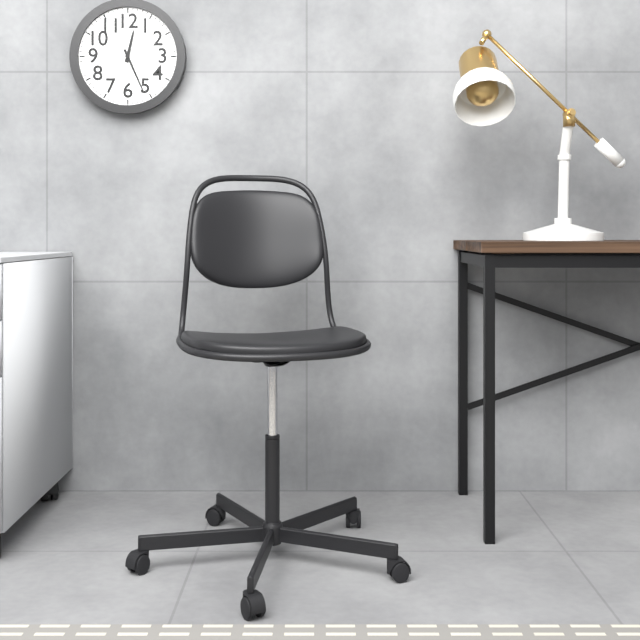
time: **12:26**
